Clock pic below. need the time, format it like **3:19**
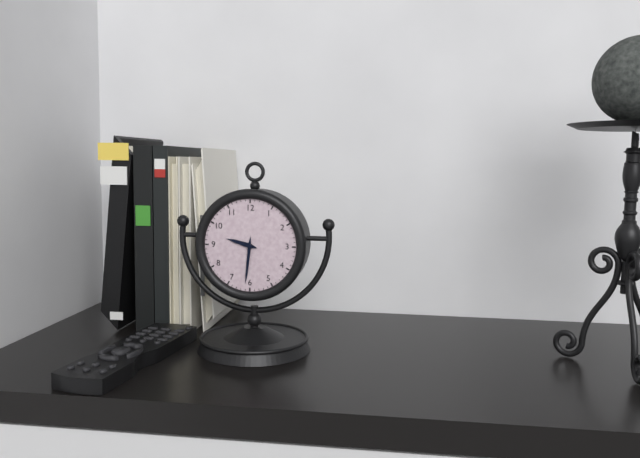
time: **9:31**
